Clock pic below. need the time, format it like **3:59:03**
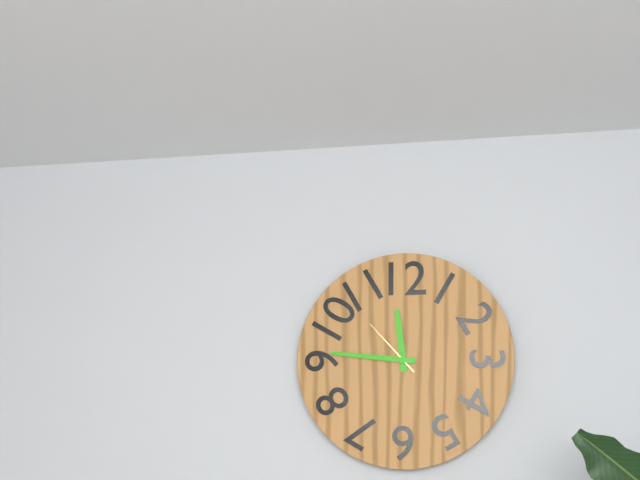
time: **11:46:53**
